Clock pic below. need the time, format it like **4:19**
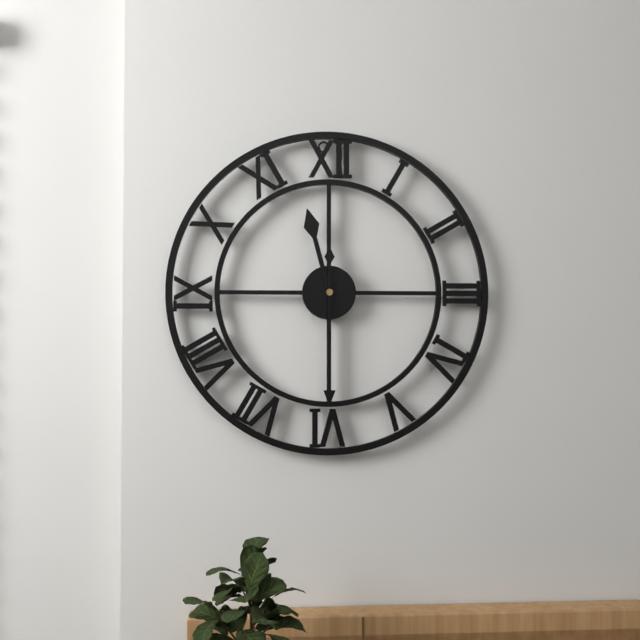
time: **11:30**
